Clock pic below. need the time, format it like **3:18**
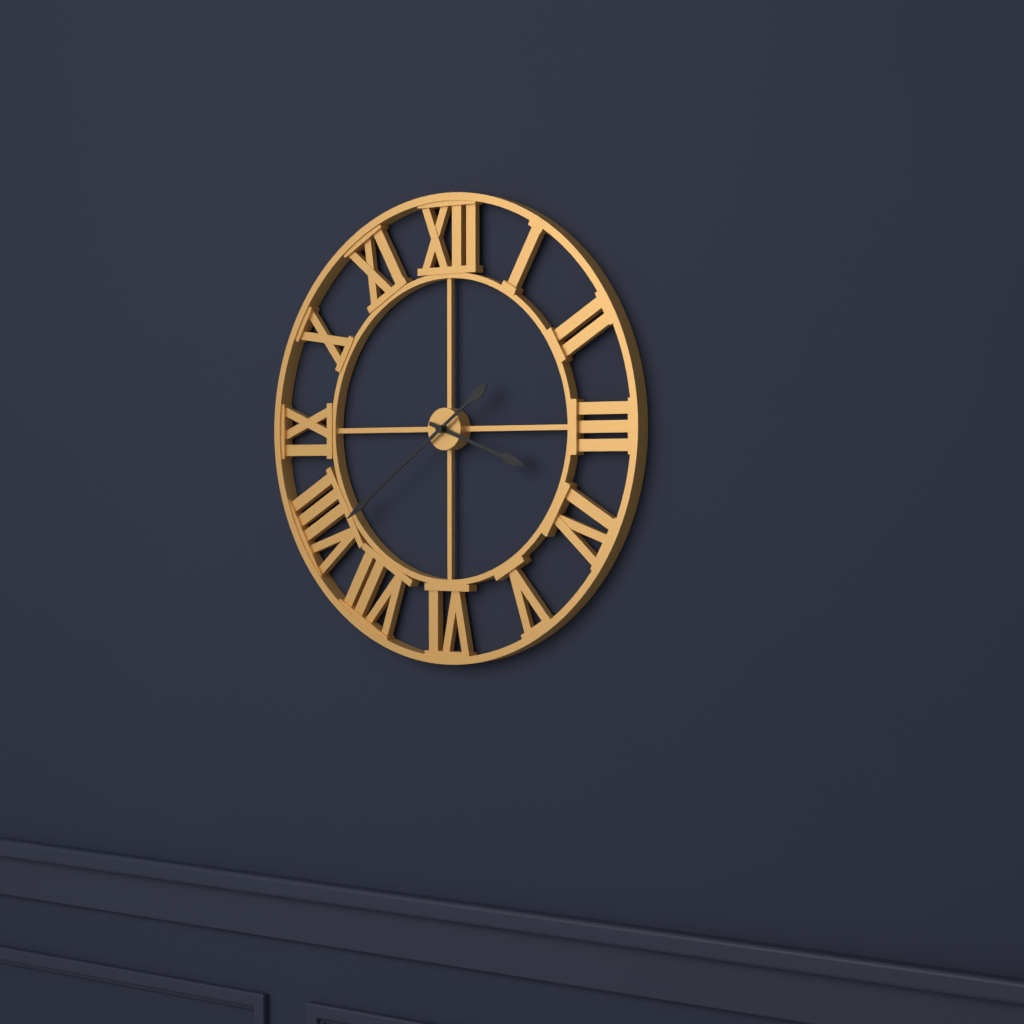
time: **3:39**
